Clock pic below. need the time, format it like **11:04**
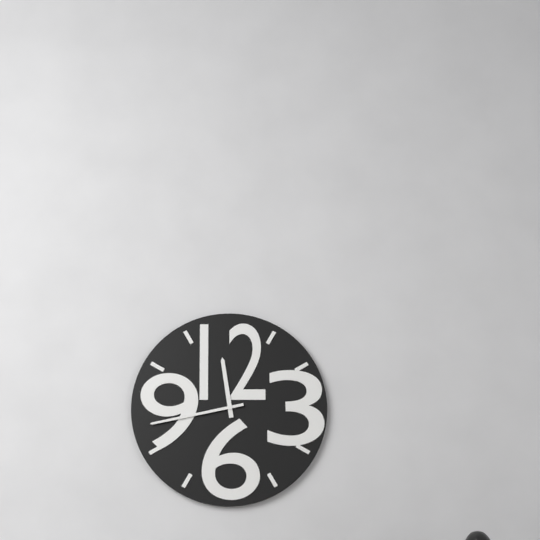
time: **11:43**
